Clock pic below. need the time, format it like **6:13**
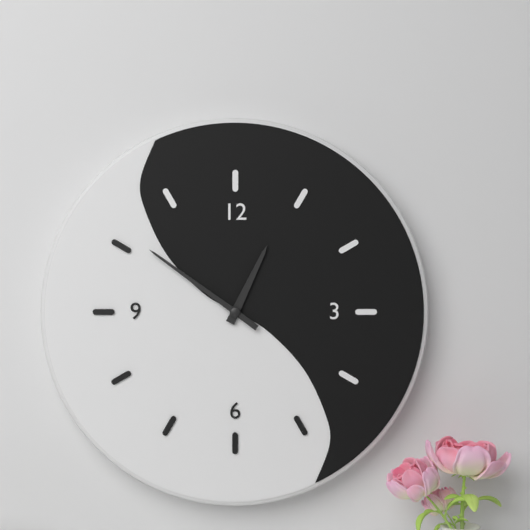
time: **12:51**
